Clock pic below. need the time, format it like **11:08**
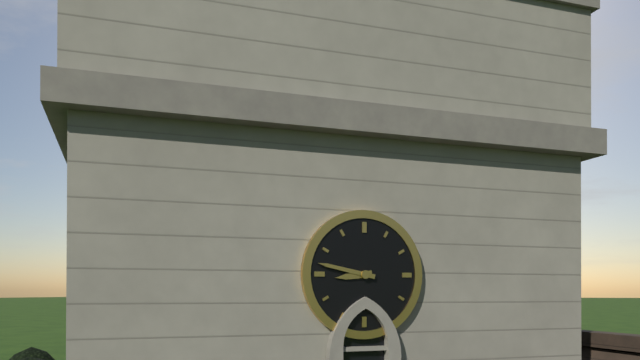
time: **8:47**
